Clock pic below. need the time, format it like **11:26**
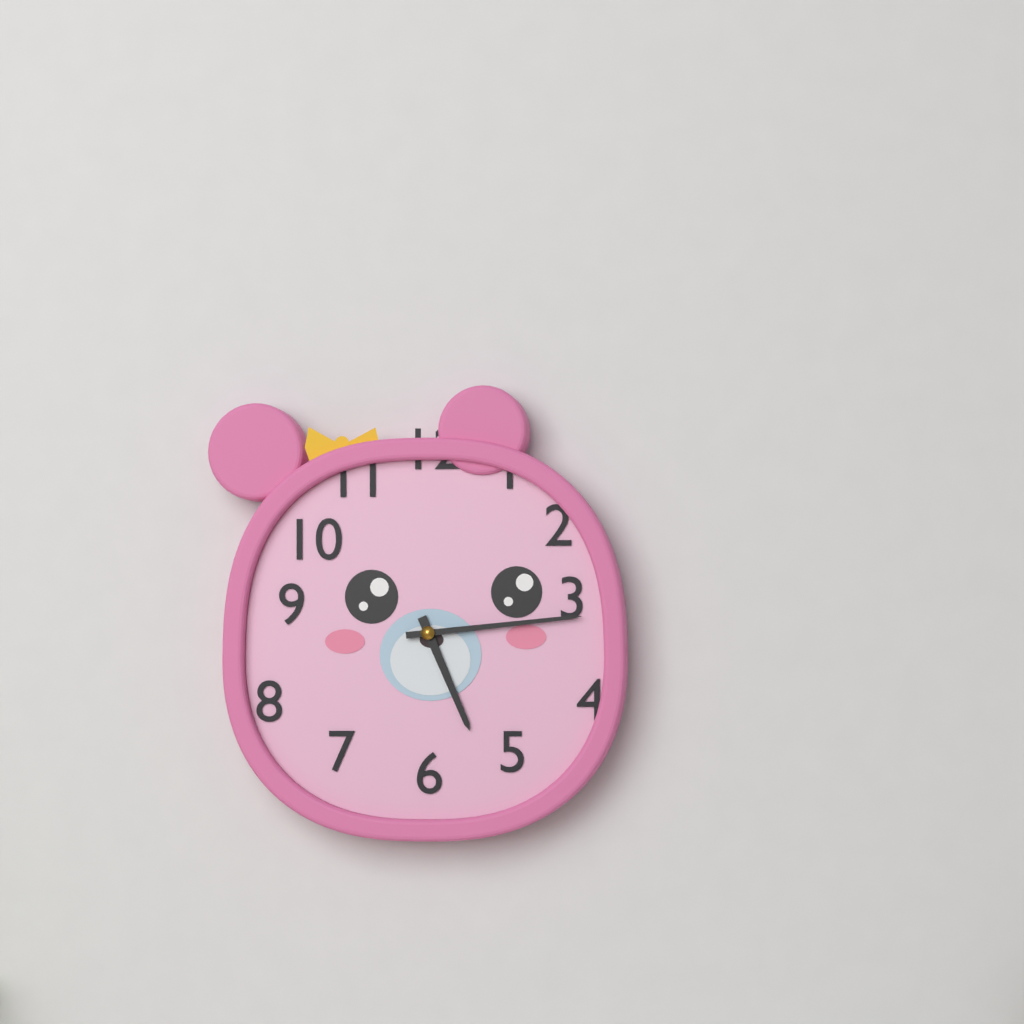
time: **5:14**
